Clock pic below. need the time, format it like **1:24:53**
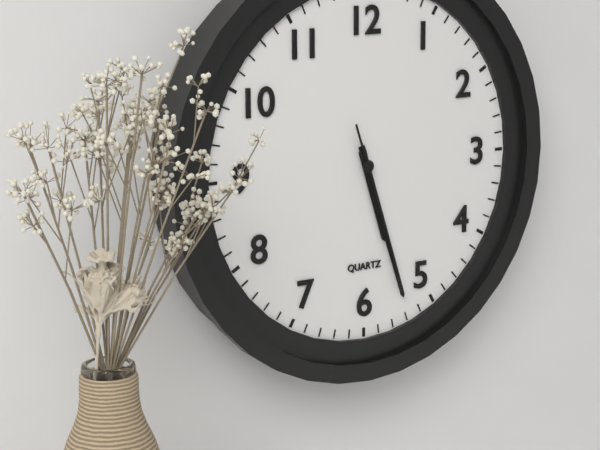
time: **5:27:27**
